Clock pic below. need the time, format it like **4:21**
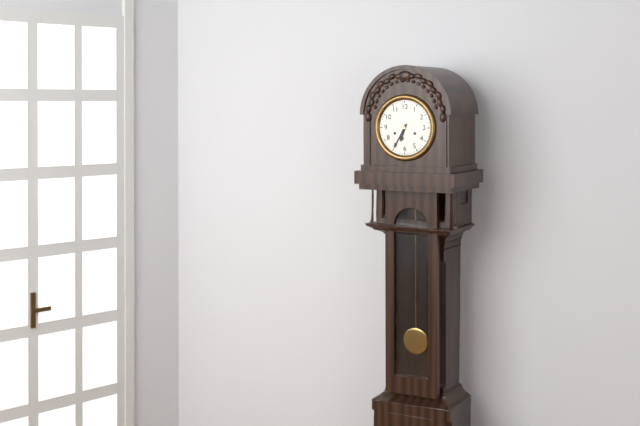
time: **6:35**
